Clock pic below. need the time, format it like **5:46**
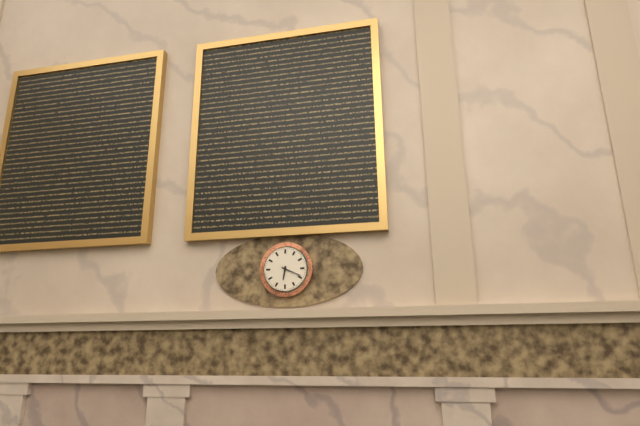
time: **6:19**
